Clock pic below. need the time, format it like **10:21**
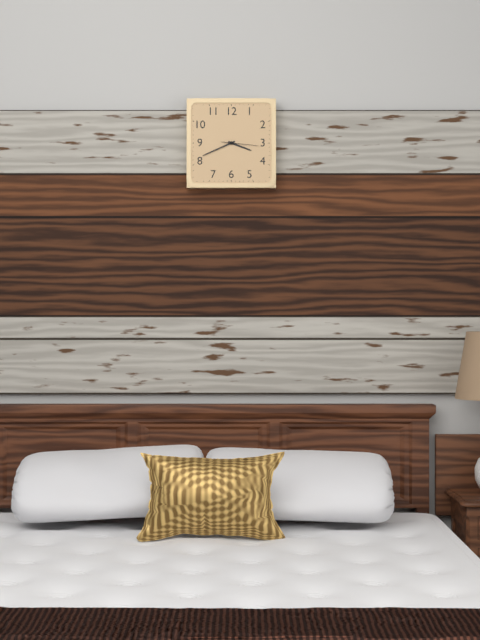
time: **3:41**
